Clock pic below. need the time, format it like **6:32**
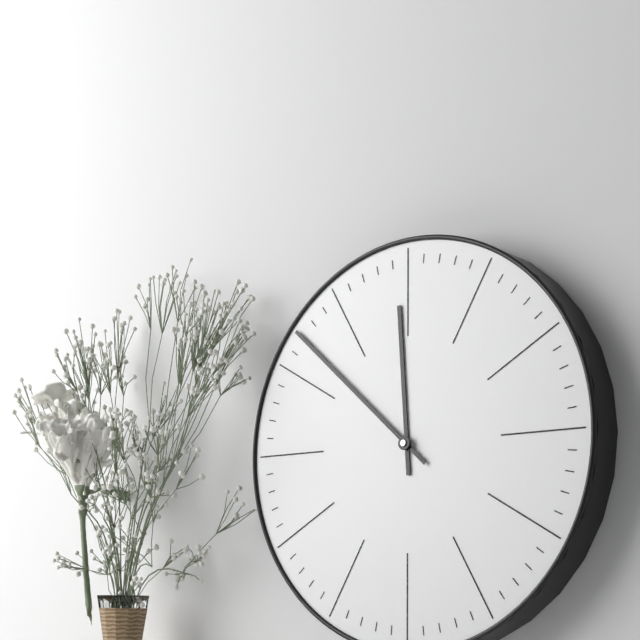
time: **11:52**
